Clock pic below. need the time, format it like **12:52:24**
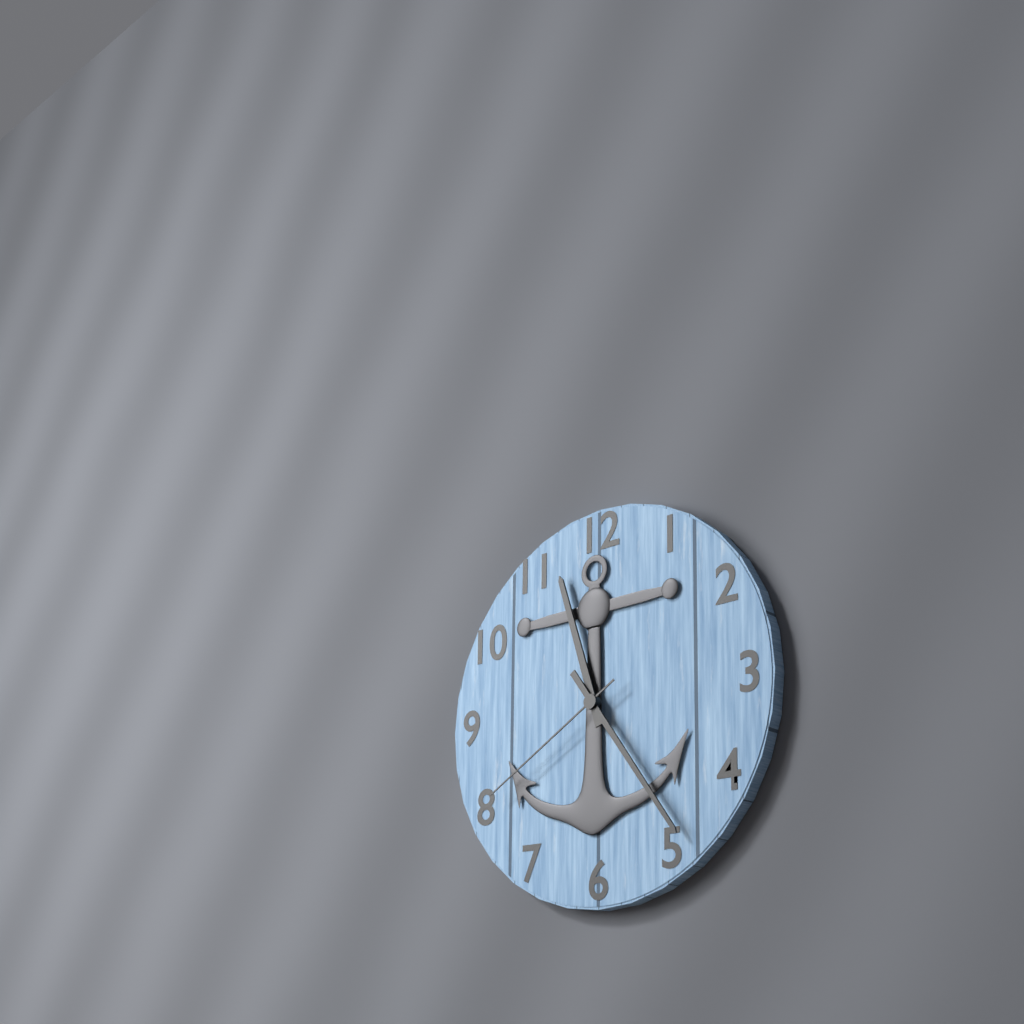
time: **11:24:40**
